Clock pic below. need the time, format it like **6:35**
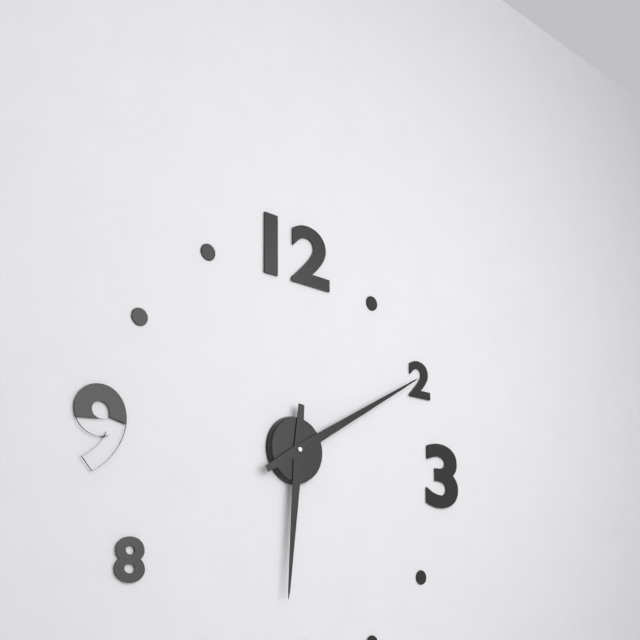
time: **6:10**
